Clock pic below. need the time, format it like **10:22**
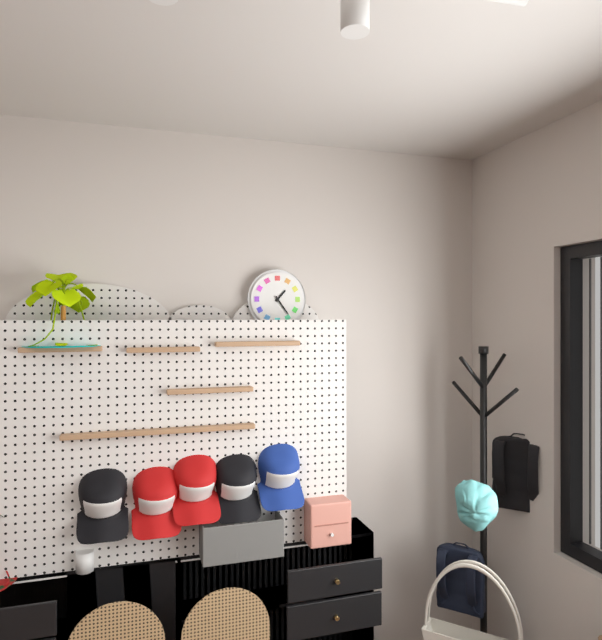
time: **1:24**
